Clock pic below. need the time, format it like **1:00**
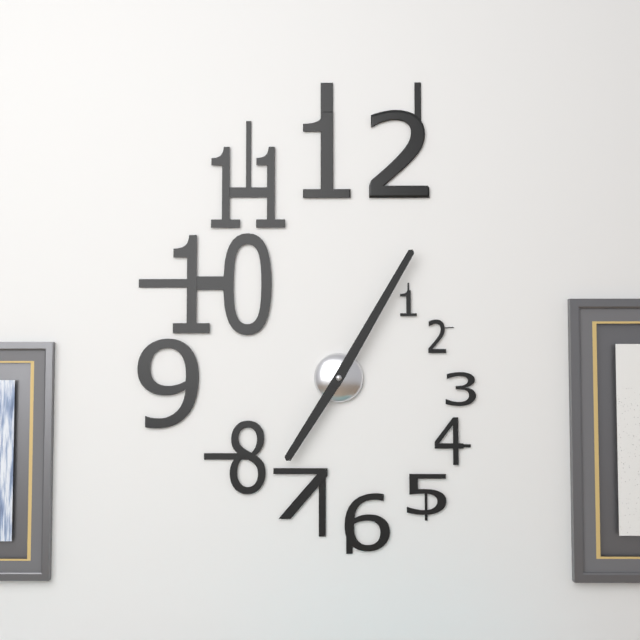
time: **7:05**
